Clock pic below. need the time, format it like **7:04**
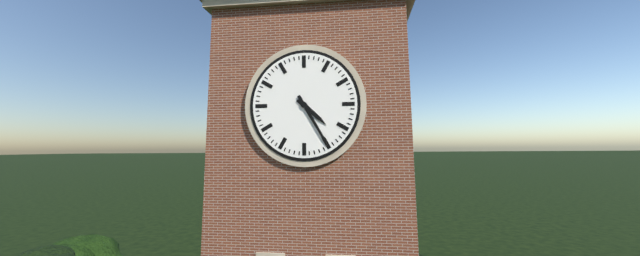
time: **4:25**
